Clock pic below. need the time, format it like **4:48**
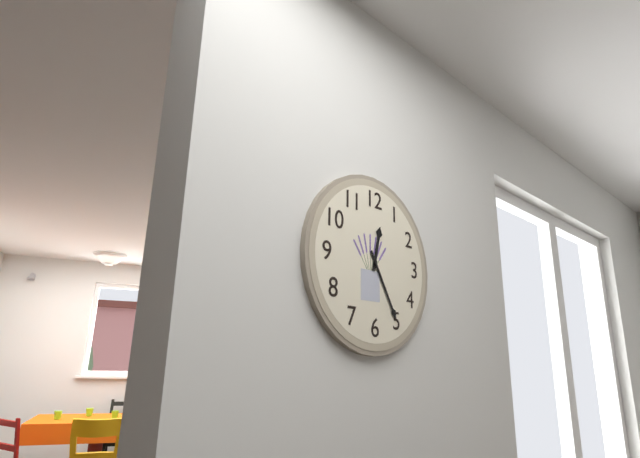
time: **12:25**
